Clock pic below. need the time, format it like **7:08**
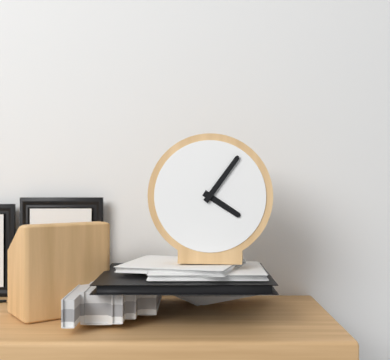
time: **4:06**
